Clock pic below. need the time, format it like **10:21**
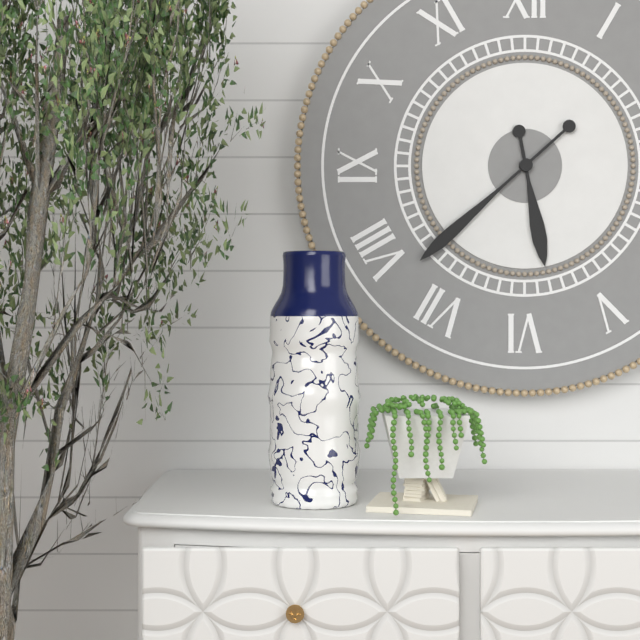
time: **5:38**
